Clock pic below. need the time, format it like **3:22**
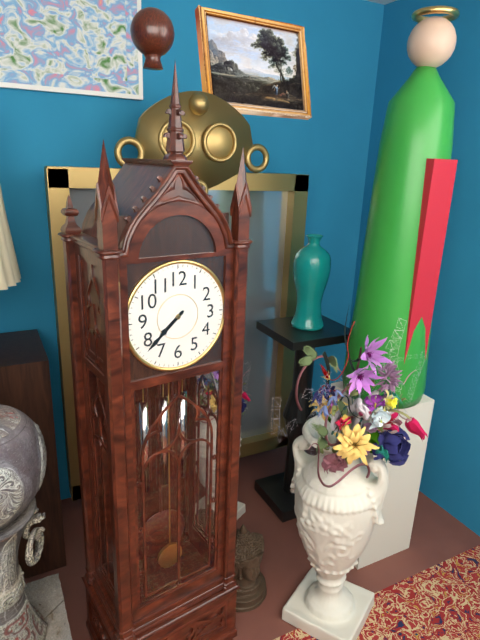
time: **7:38**
